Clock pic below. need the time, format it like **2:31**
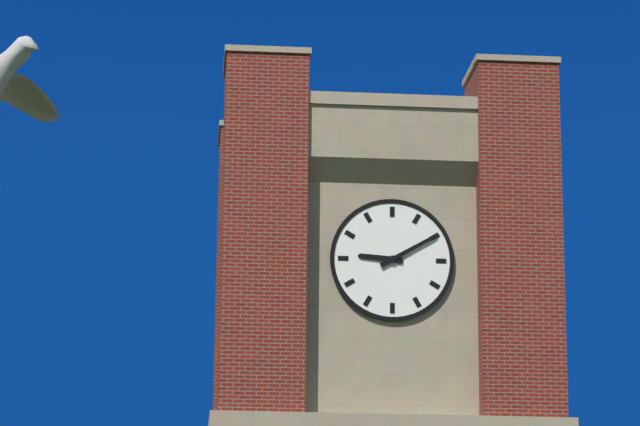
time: **9:10**
